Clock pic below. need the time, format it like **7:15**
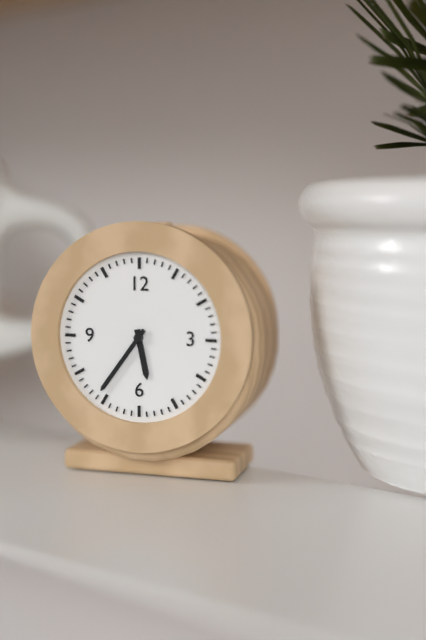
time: **5:36**
